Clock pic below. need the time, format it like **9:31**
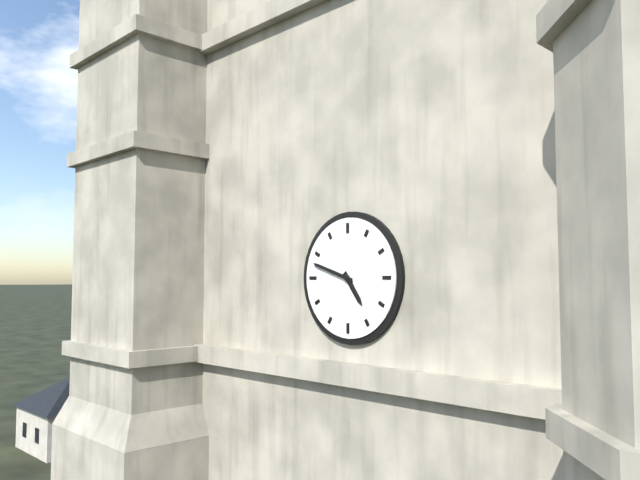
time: **4:48**
